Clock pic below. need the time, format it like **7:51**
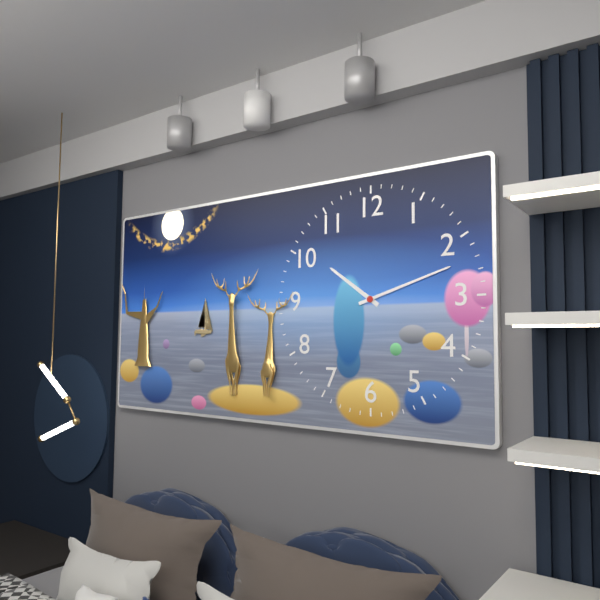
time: **10:12**
